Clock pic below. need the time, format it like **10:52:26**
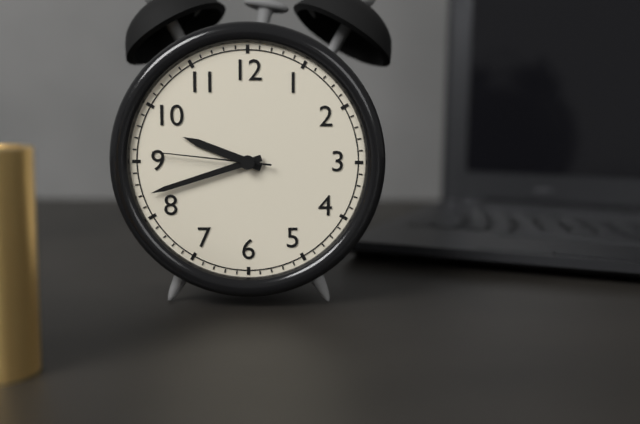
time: **9:42:46**
